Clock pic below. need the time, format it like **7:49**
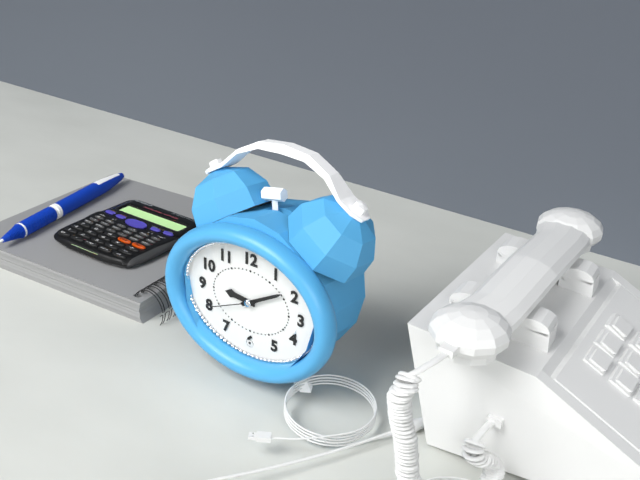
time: **9:10**
